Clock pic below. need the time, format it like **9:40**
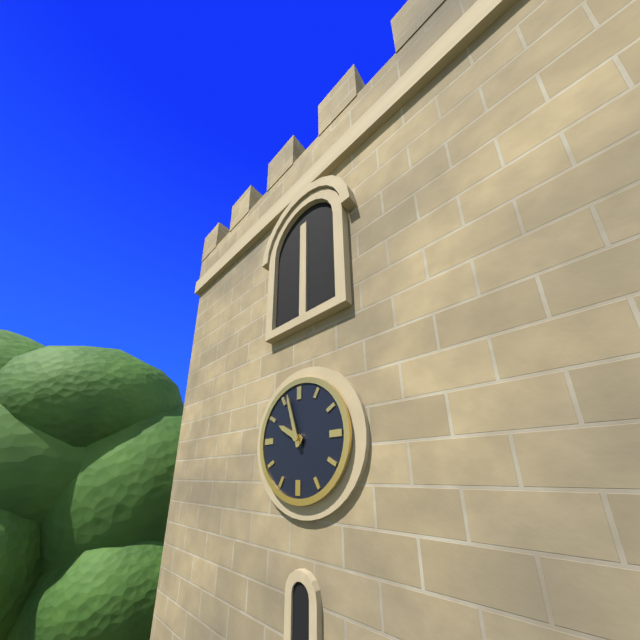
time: **9:57**
